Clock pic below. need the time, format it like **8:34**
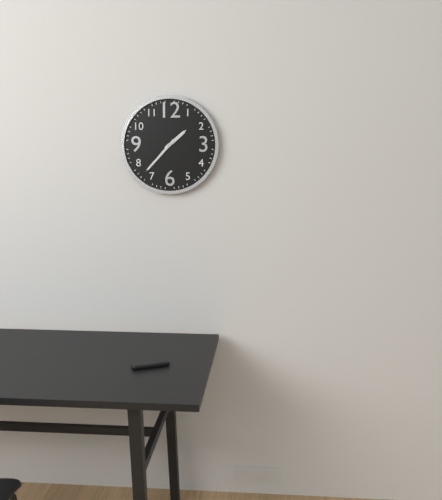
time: **1:37**
